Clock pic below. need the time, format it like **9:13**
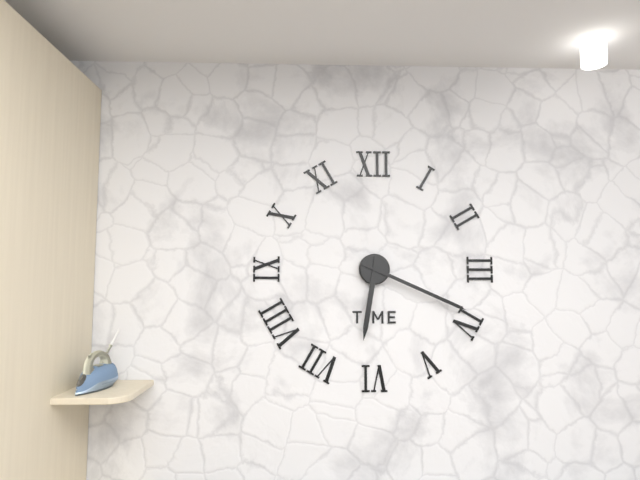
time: **6:19**
